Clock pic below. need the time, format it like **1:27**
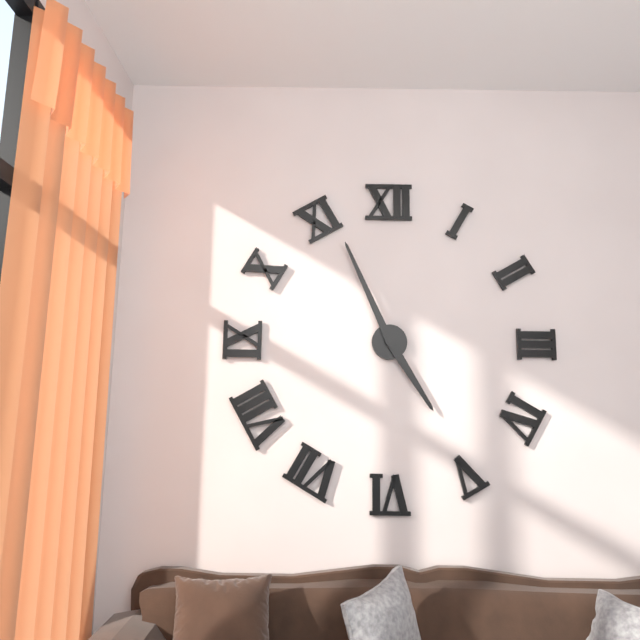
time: **4:56**
